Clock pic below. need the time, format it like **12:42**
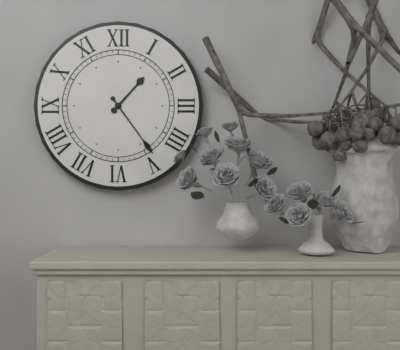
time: **1:24**
